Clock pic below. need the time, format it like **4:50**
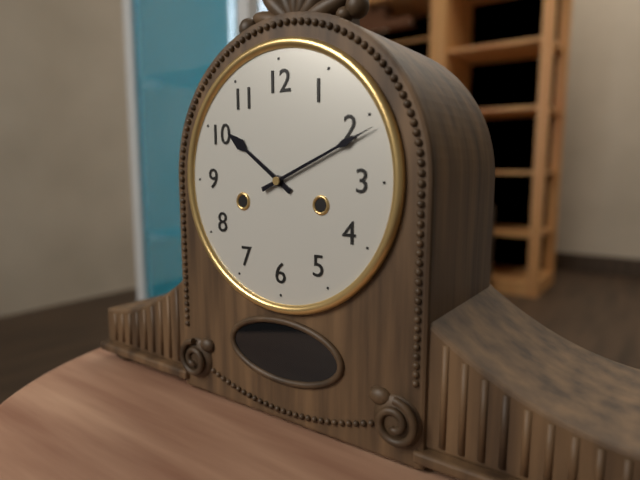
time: **10:11**
